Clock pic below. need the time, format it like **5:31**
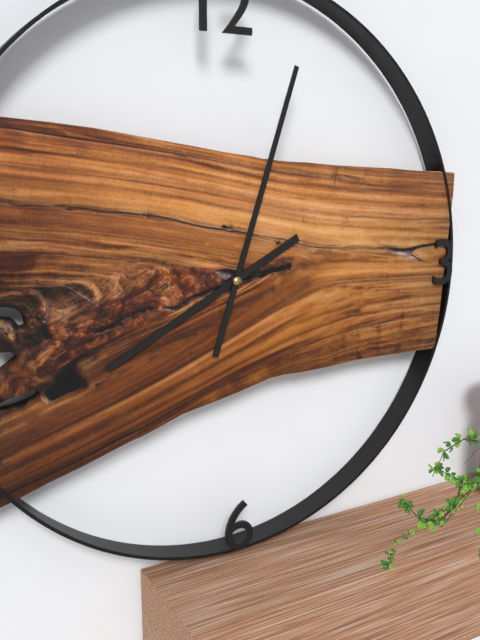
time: **8:03**
